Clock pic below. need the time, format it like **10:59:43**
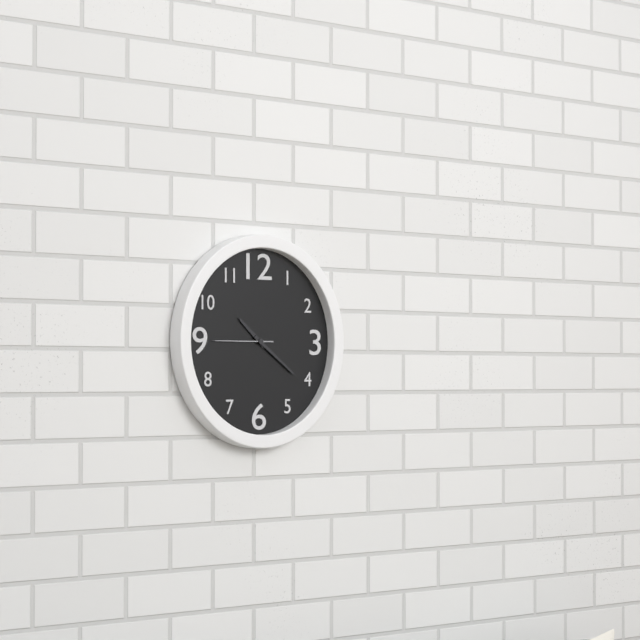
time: **10:21:45**
